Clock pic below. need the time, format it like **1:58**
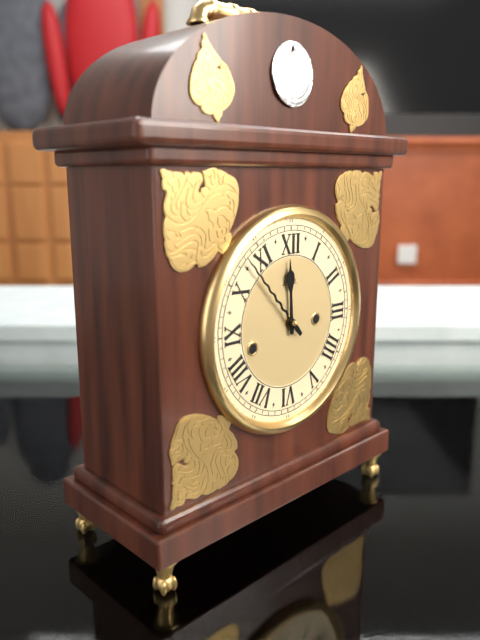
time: **11:53**
